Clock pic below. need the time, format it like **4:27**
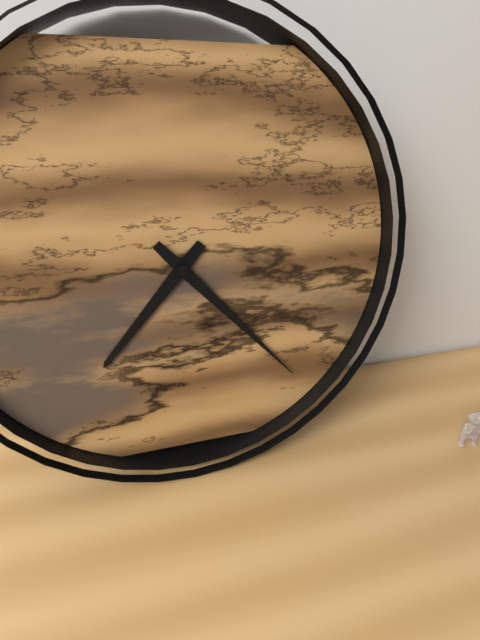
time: **7:23**
